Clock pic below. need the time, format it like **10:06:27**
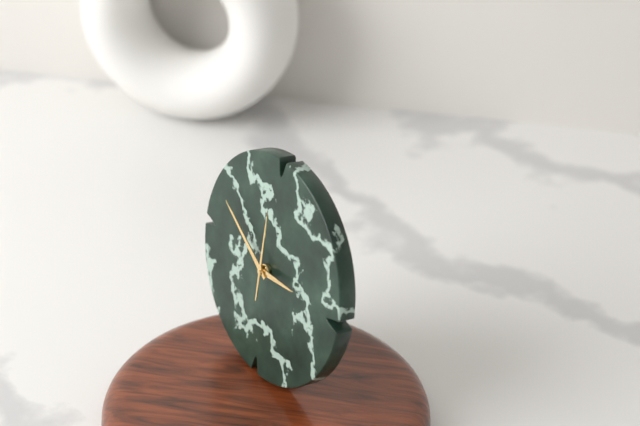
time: **2:50:00**
